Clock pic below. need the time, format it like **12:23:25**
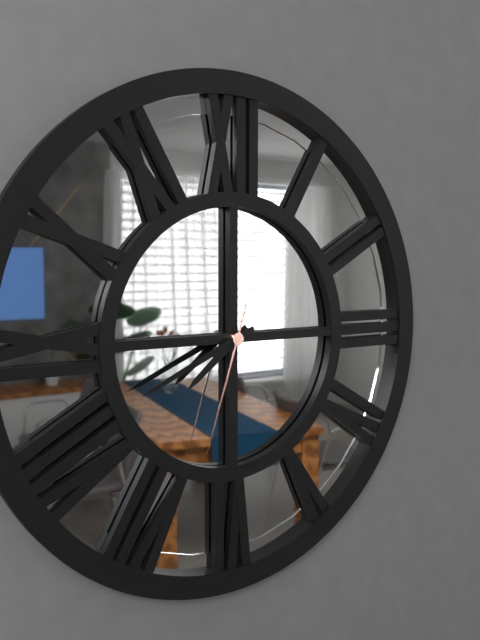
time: **7:41:33**
